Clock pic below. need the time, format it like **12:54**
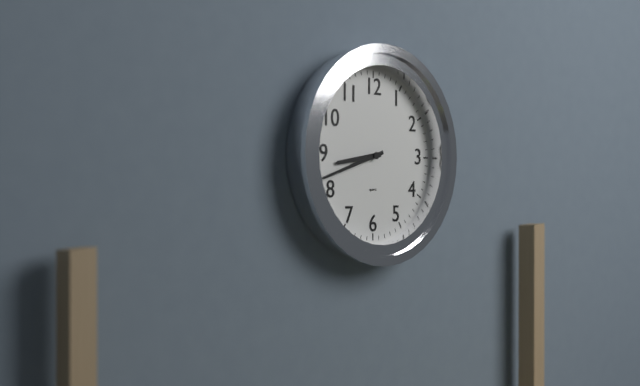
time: **8:42**
